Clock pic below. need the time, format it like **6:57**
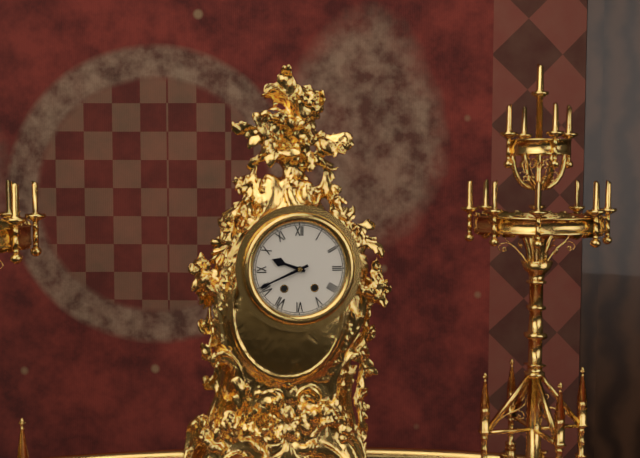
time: **9:41**
